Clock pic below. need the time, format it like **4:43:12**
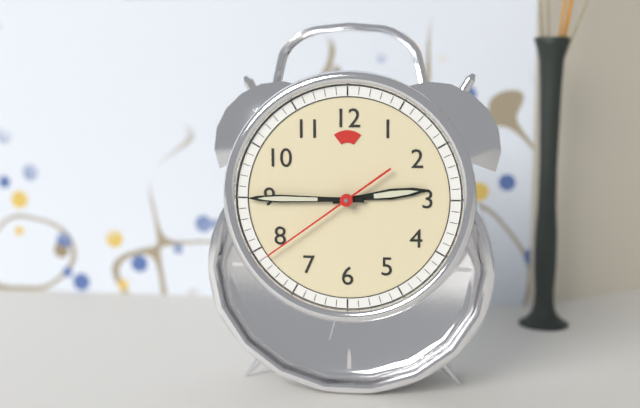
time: **2:45:39**
